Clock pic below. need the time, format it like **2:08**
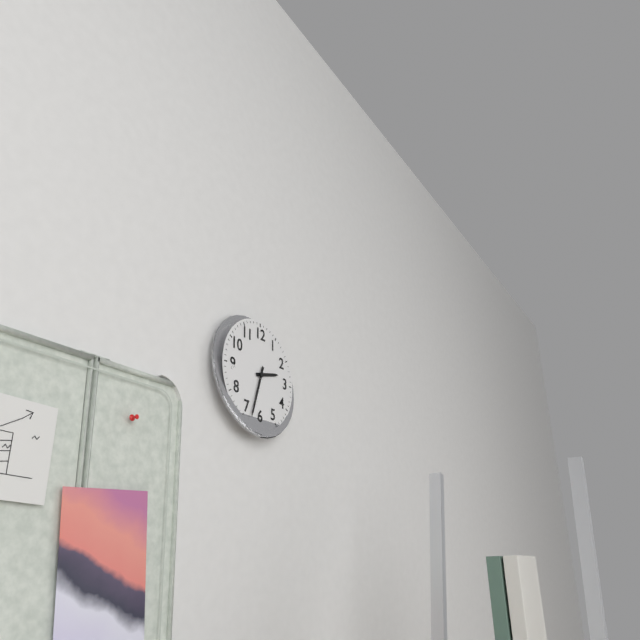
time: **2:33**
